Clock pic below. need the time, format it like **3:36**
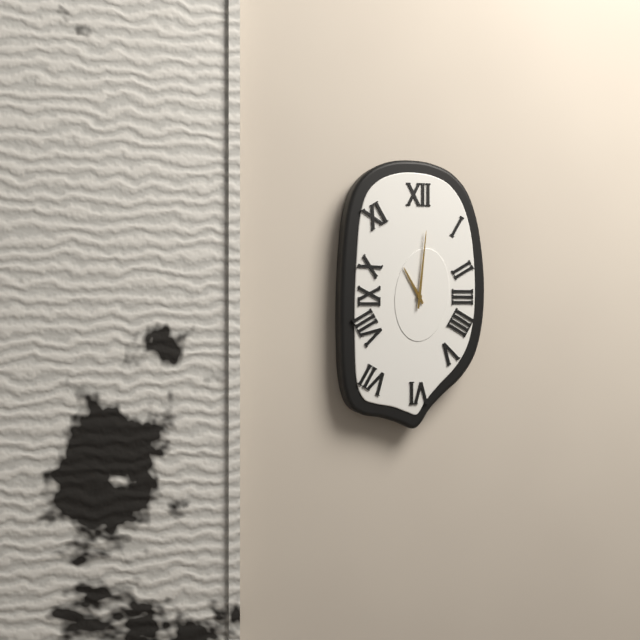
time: **11:01**
